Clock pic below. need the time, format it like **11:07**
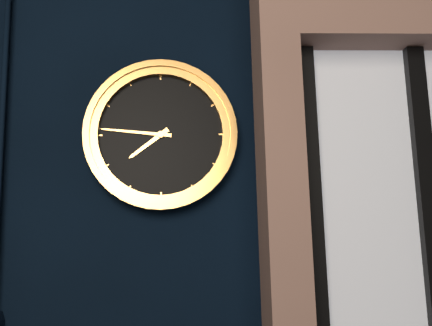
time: **7:46**
